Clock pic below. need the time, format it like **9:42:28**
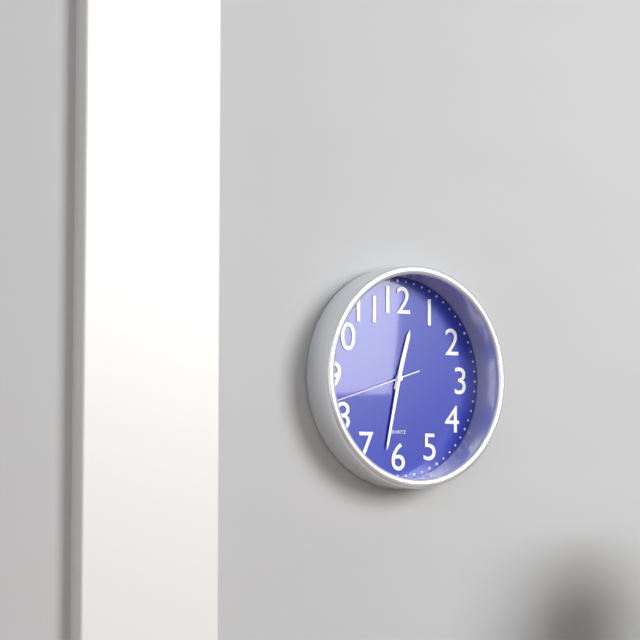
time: **12:32:42**
